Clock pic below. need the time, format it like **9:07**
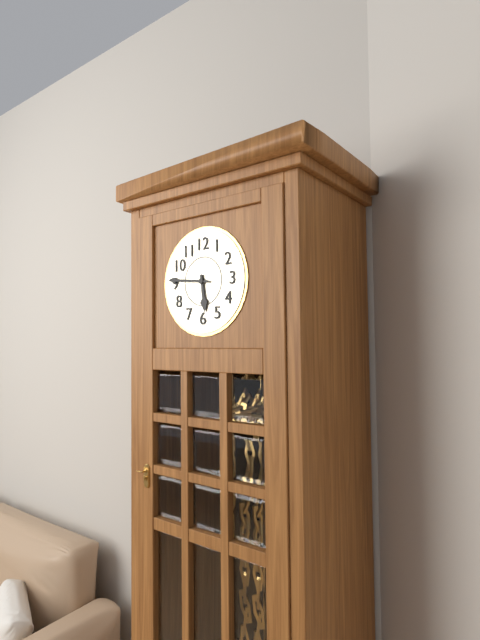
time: **5:46**
